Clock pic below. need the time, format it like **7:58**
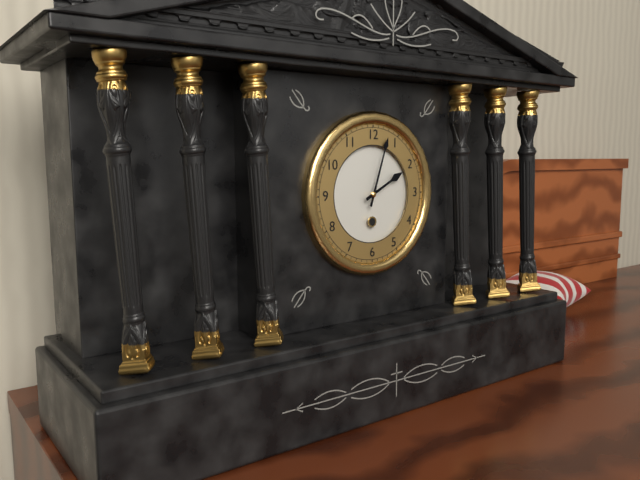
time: **2:03**
